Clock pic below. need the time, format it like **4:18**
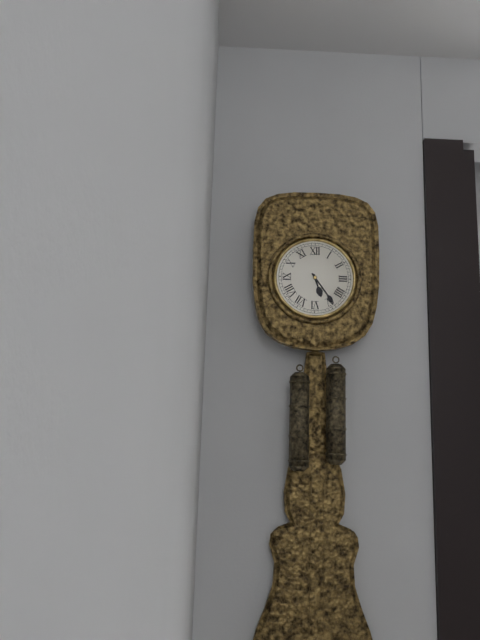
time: **5:24**
